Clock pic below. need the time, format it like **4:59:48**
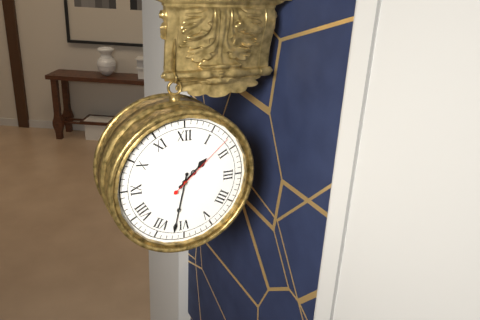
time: **1:32:08**
